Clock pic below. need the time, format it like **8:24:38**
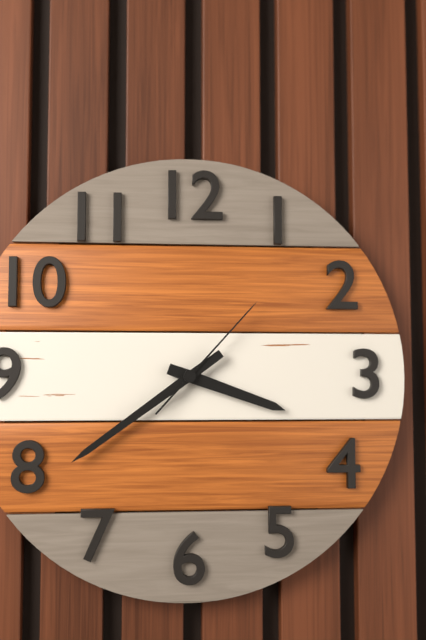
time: **3:39:07**
